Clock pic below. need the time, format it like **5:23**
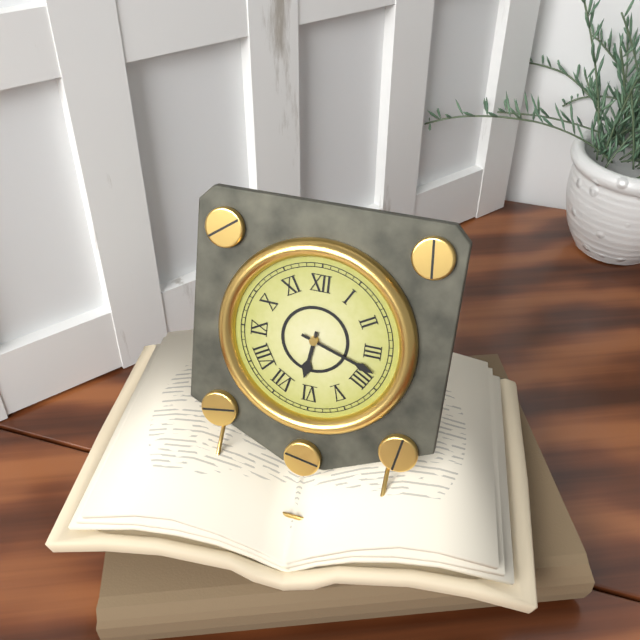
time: **6:18**
